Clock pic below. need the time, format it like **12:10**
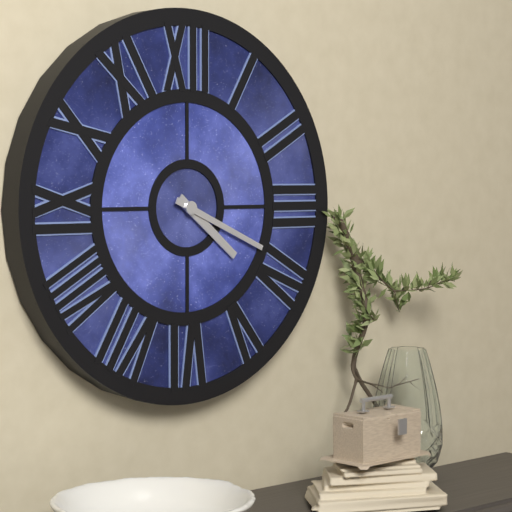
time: **4:19**
